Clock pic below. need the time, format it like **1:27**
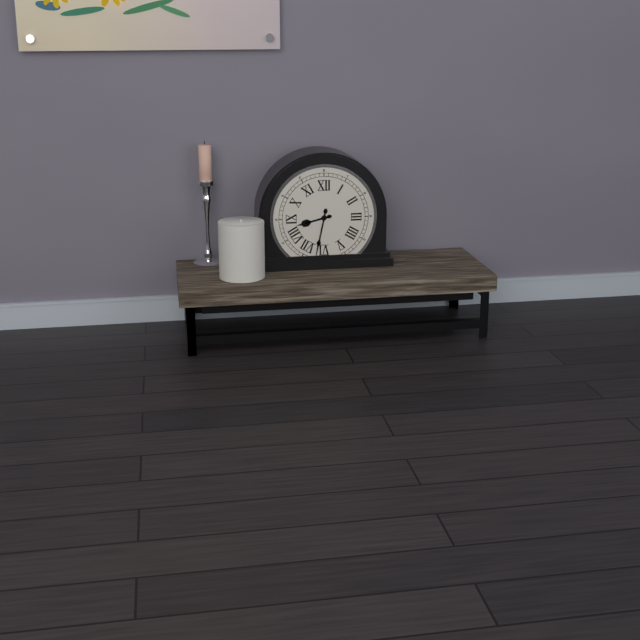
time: **8:32**
